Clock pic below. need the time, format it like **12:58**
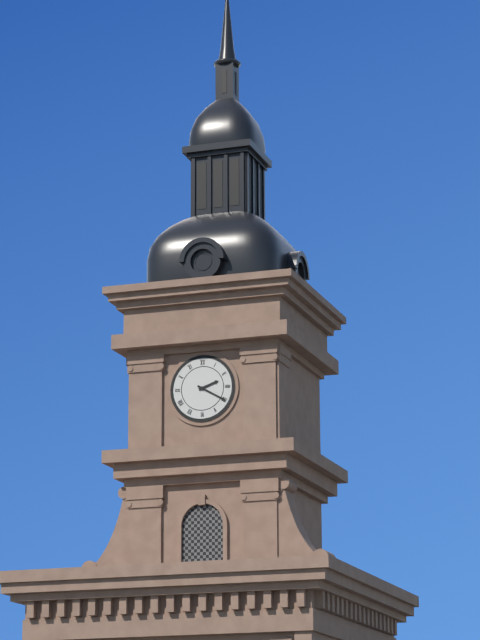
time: **2:20**
